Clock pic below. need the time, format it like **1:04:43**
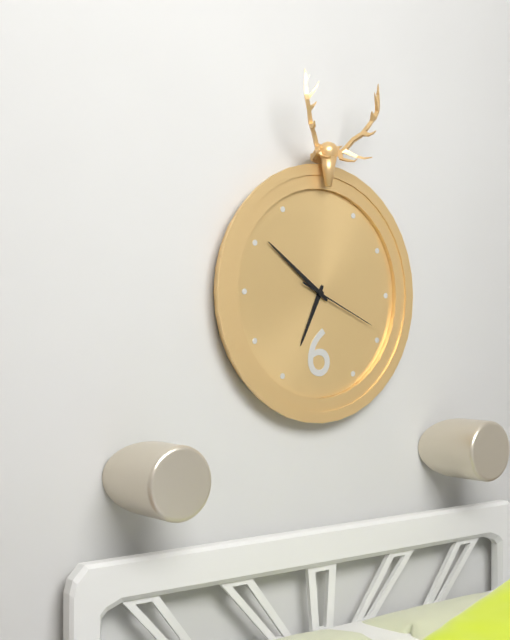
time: **6:51:19**
